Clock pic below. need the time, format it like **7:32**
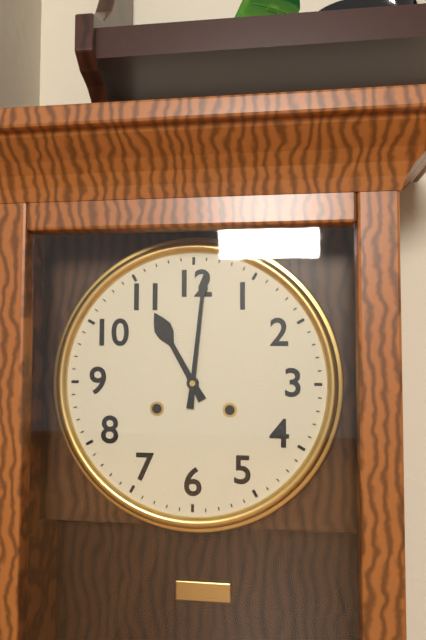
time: **11:01**
